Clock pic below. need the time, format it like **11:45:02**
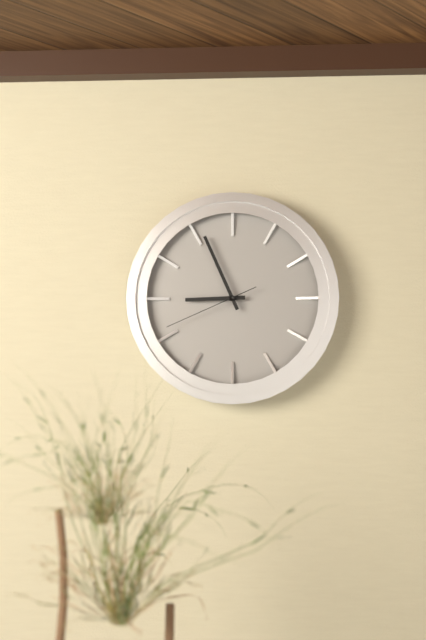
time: **8:56:41**
